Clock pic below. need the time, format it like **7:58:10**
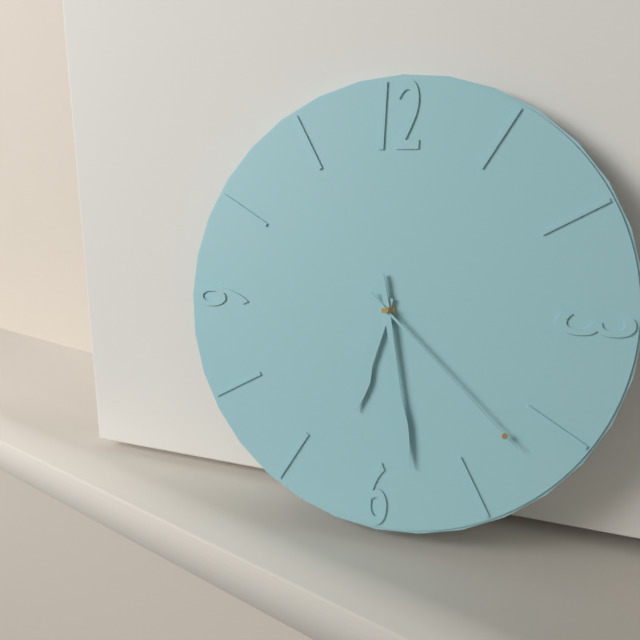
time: **6:28:22**
